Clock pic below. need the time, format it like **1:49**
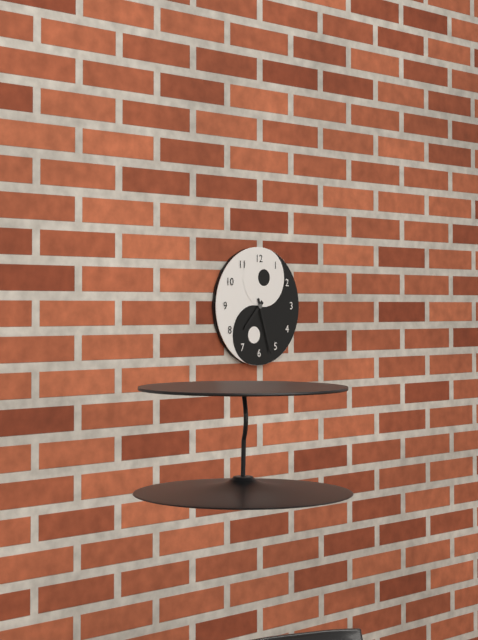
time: **7:27**
